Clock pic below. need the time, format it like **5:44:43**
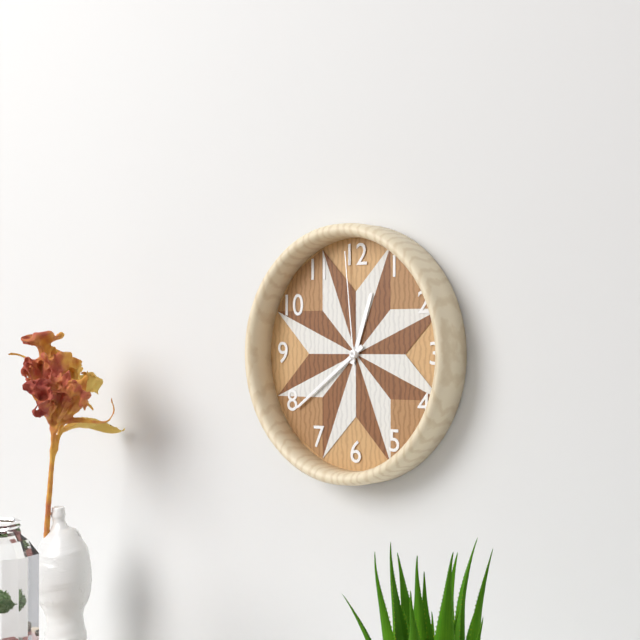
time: **12:39:59**
